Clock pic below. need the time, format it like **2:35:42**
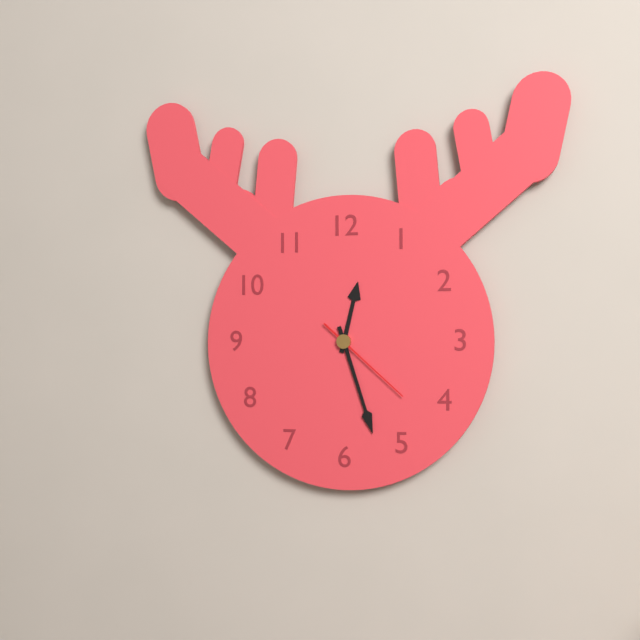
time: **12:27:22**
